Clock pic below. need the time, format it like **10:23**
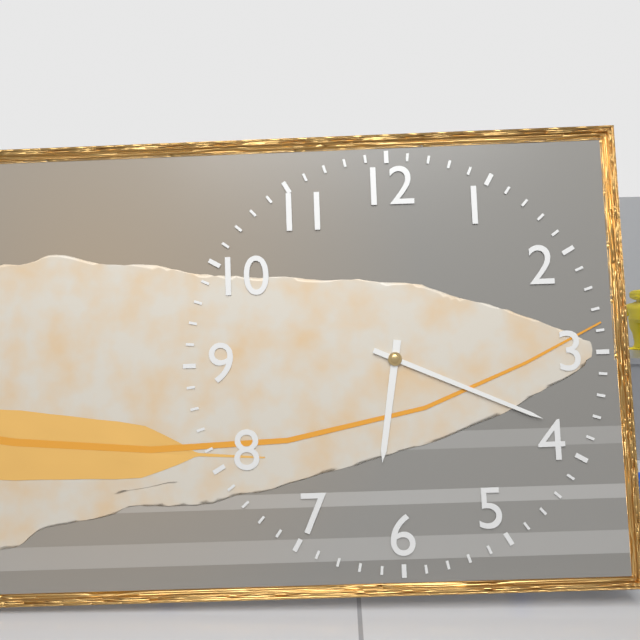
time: **6:19**
